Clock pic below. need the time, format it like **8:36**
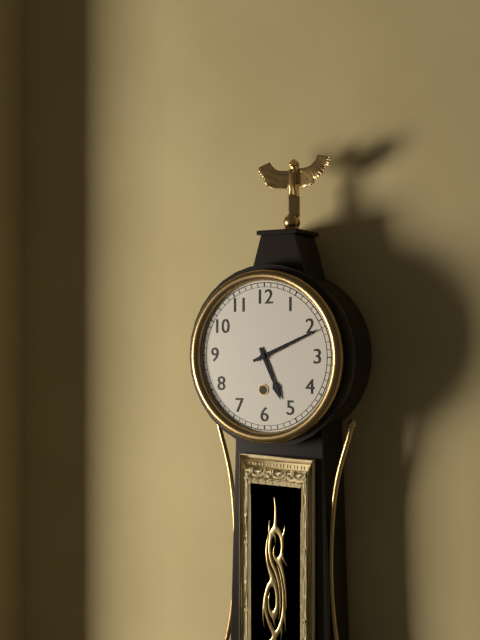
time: **5:11**
